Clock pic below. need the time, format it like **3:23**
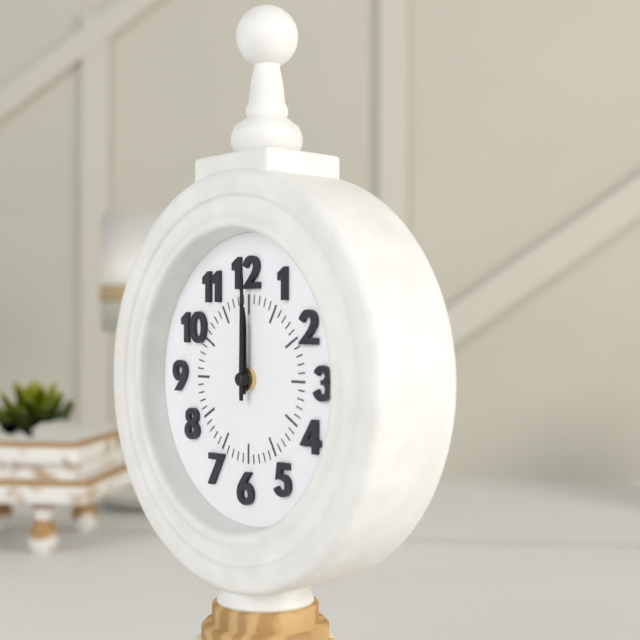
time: **12:00**
